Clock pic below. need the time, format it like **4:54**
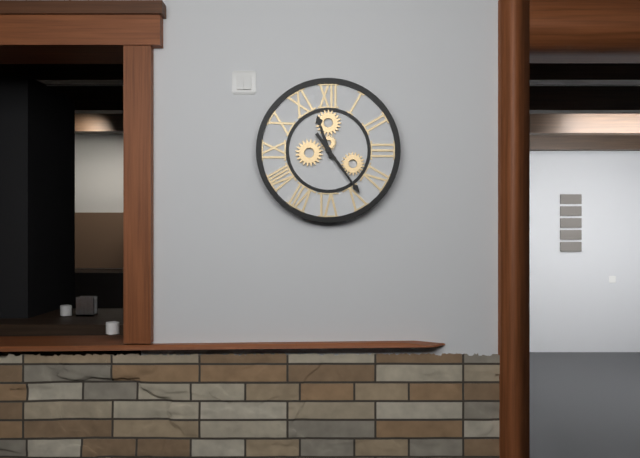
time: **11:24**
